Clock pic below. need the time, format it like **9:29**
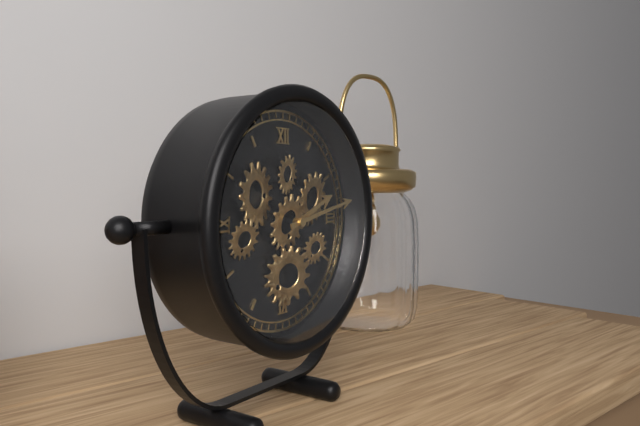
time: **2:13**
